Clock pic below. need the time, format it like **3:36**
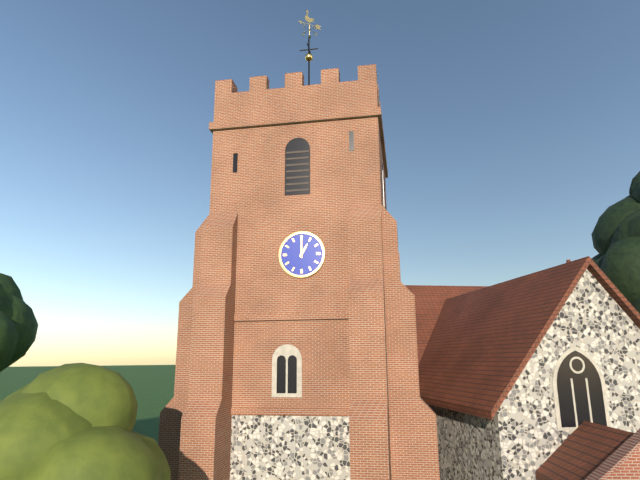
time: **1:00**
